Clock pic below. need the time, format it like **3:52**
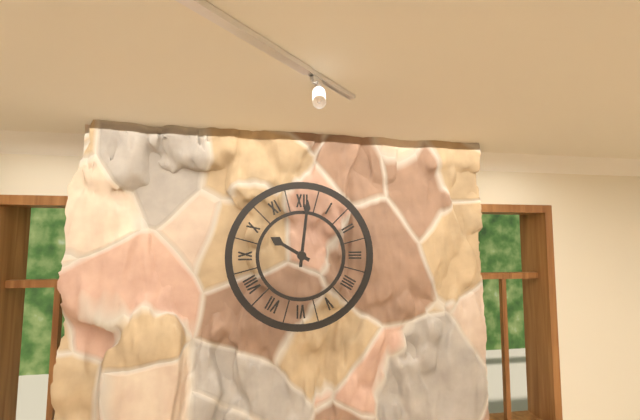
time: **10:01**
